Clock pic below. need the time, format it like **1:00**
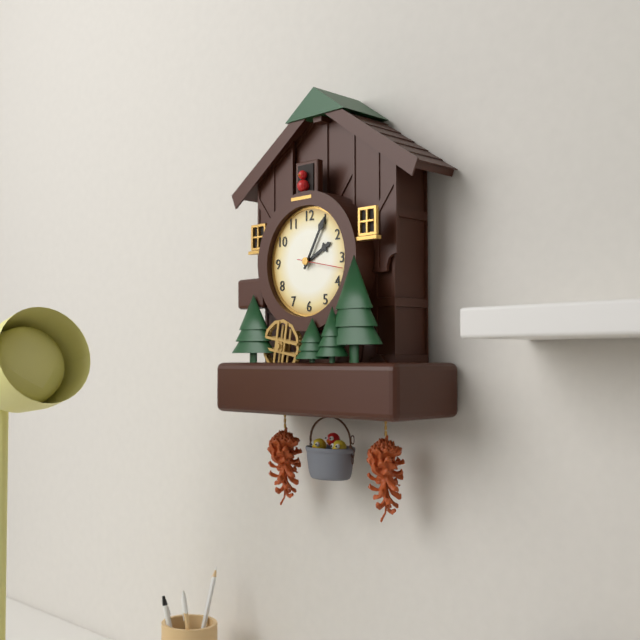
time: **2:05**
